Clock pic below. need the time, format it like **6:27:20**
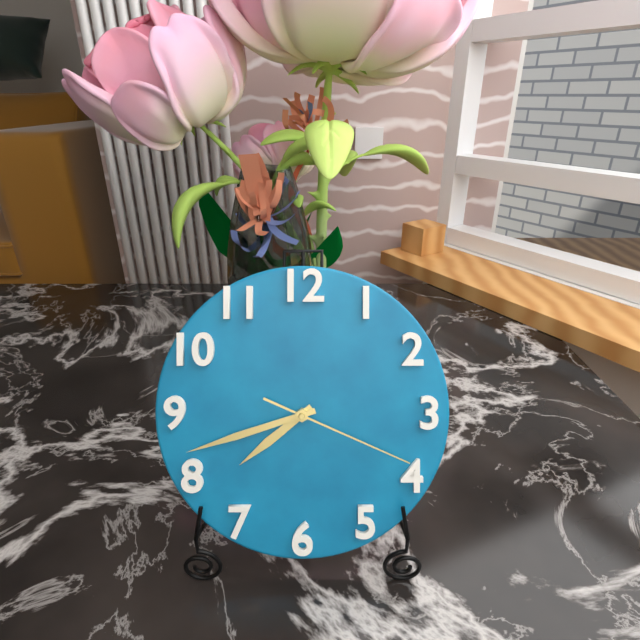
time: **7:42:19**
